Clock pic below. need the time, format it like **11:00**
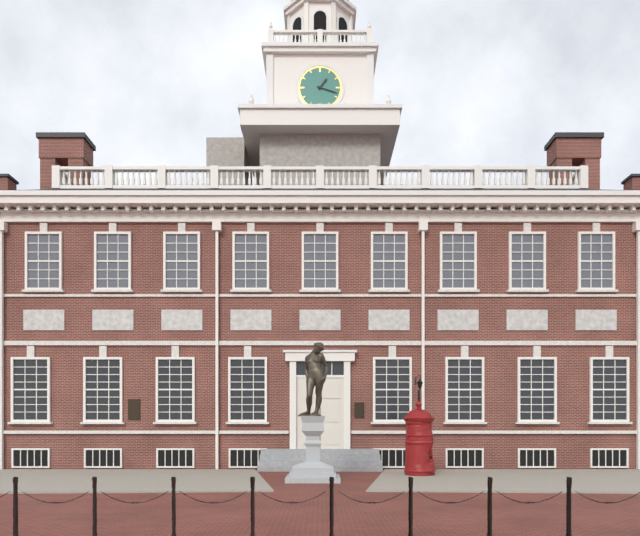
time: **1:18**
